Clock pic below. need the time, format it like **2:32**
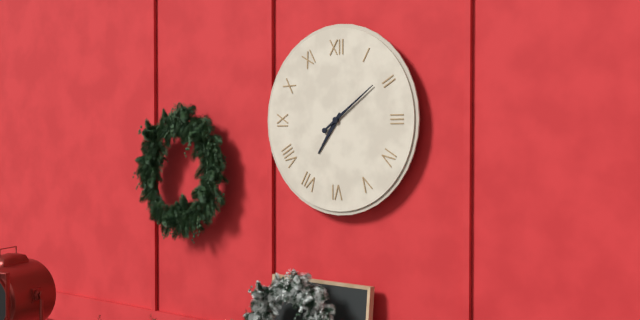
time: **7:09**
